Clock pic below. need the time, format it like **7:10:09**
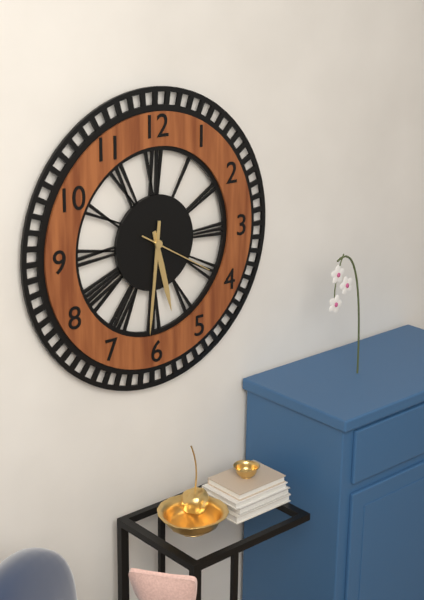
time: **5:31:20**
